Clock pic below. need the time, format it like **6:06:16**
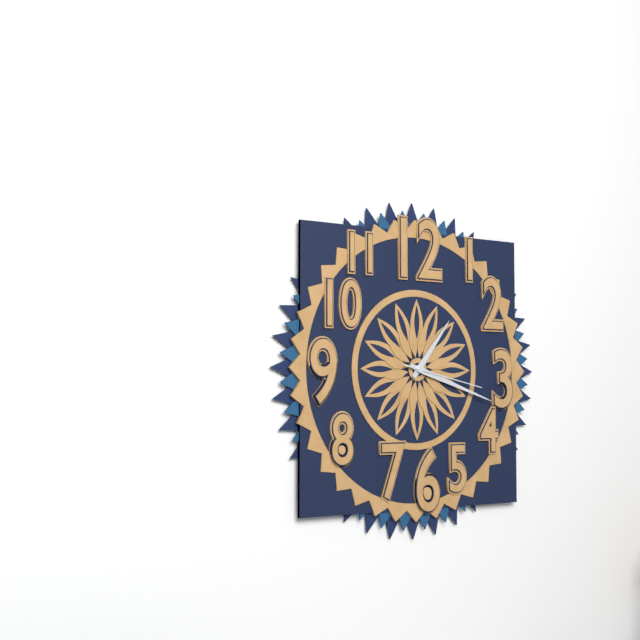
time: **1:18:17**
